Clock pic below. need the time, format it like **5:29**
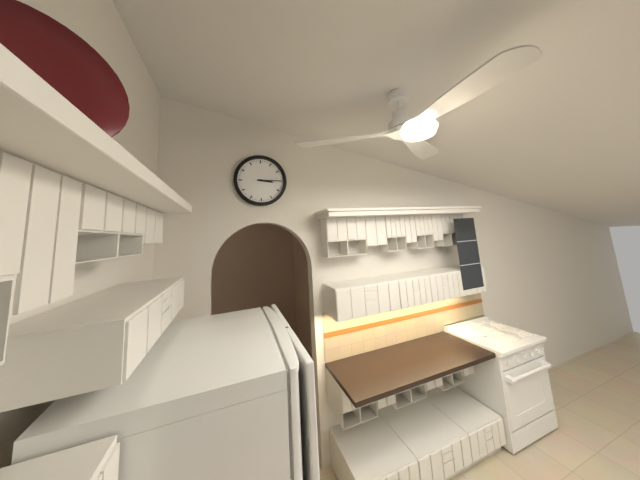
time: **3:15**
